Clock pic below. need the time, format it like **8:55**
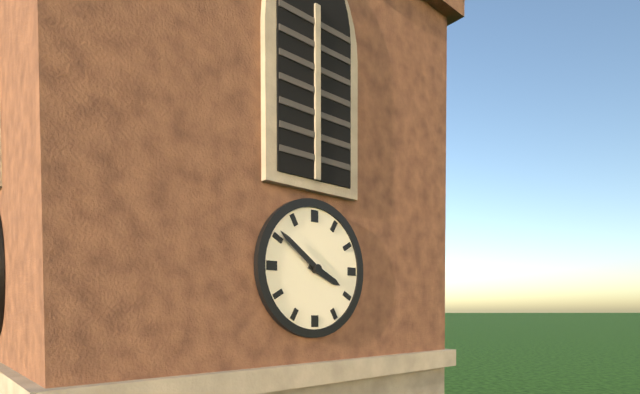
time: **3:51**
